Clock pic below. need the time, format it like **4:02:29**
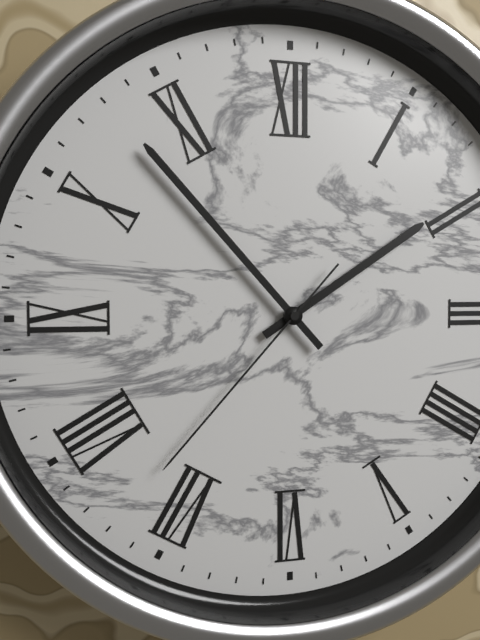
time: **1:53:37**
